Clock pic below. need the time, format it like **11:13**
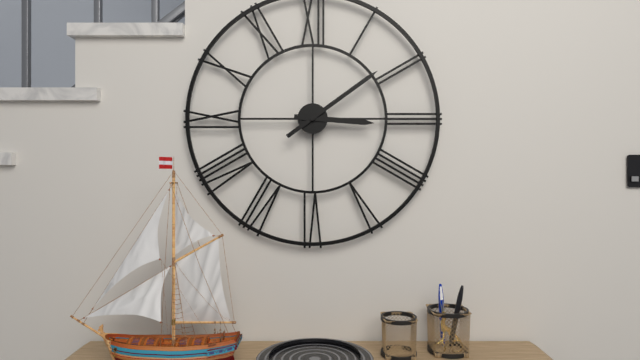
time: **3:09**
